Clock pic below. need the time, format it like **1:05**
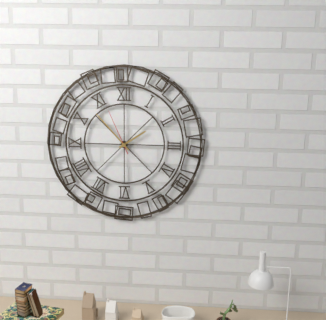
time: **1:53**
